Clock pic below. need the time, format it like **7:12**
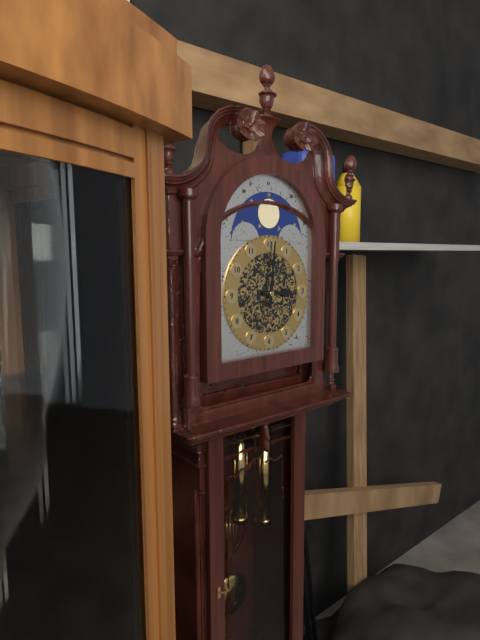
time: **3:01**
